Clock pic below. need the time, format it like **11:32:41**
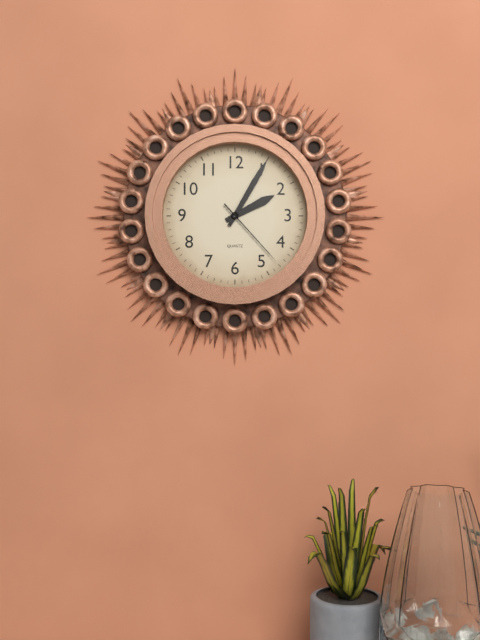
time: **2:05:23**
